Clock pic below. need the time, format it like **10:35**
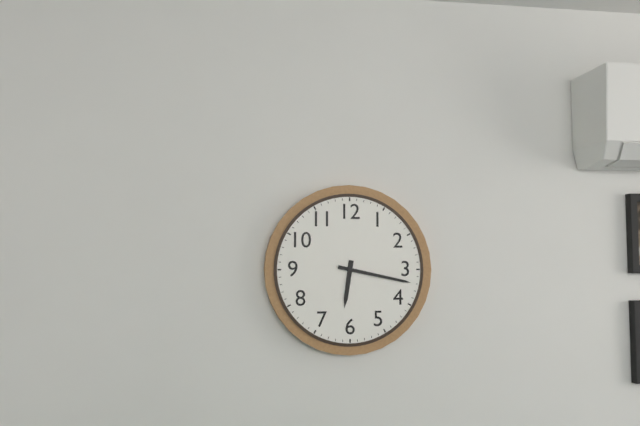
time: **6:17**
